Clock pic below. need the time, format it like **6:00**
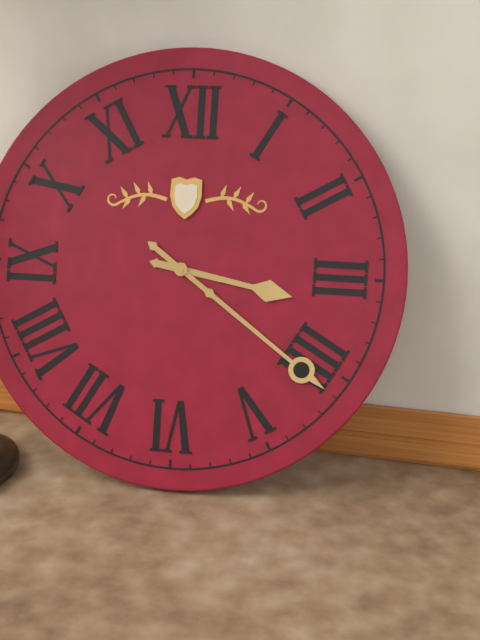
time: **3:21**
